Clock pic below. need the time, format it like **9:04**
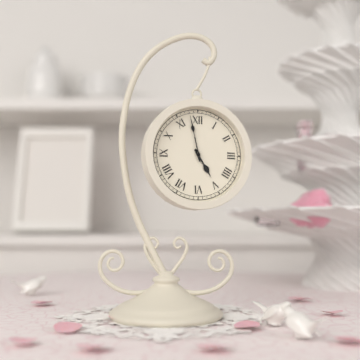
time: **4:58**
